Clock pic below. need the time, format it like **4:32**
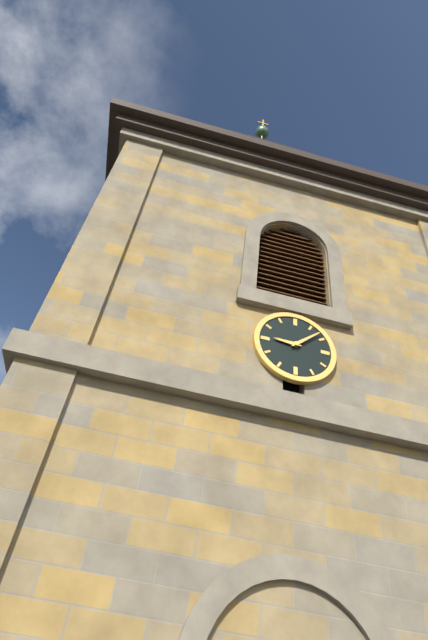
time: **9:08**
